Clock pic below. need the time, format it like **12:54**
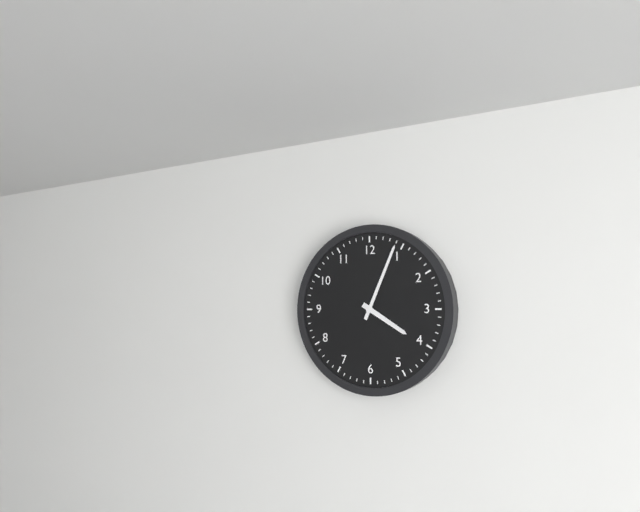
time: **4:04**
